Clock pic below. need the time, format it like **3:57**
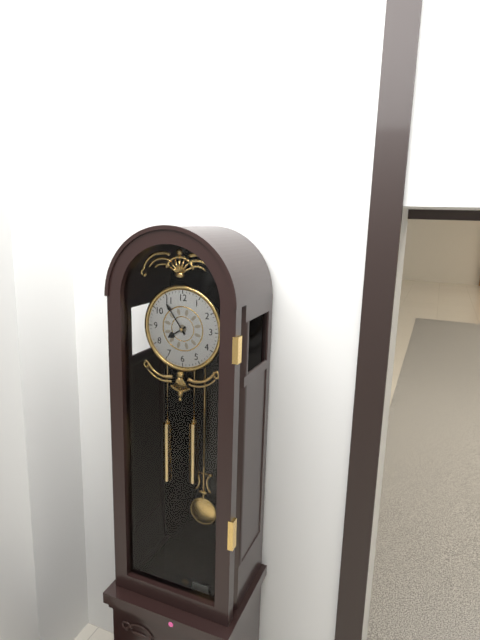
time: **7:54**
